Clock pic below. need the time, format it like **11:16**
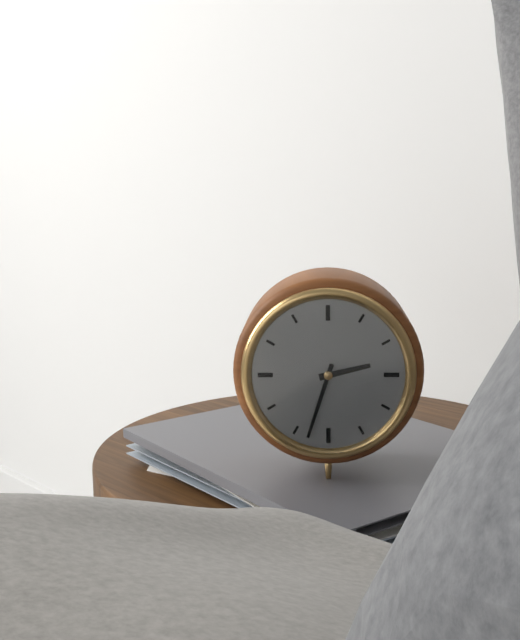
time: **2:33**
